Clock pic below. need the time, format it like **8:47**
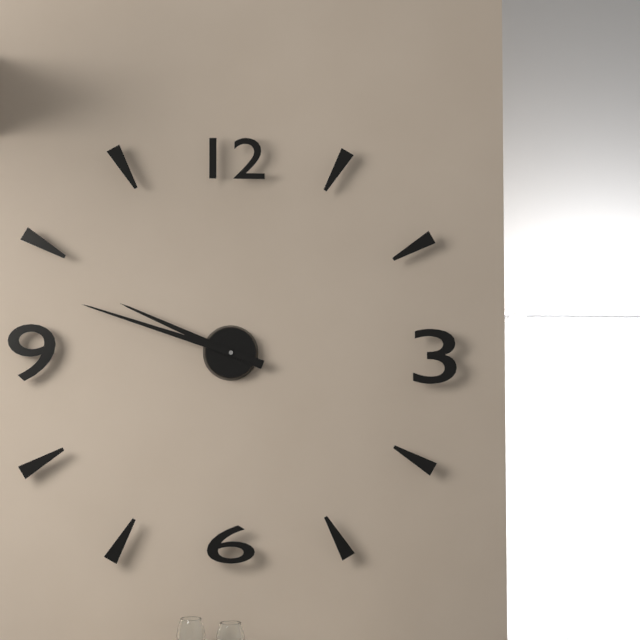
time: **9:48**
